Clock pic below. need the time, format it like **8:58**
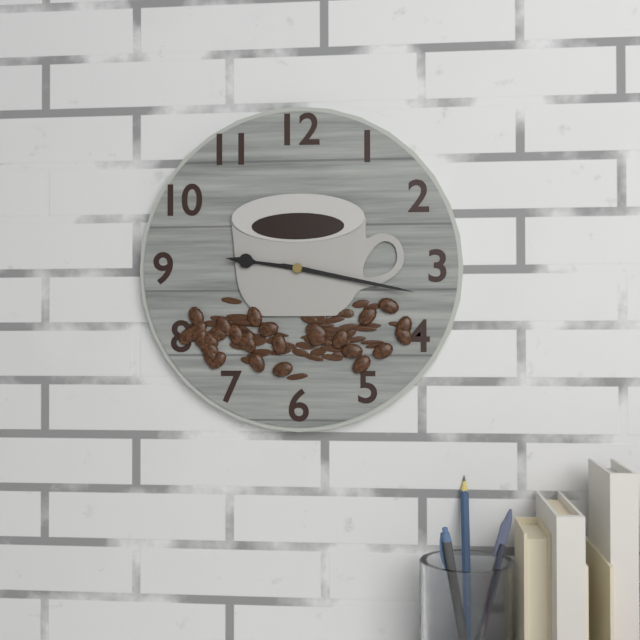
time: **9:17**
